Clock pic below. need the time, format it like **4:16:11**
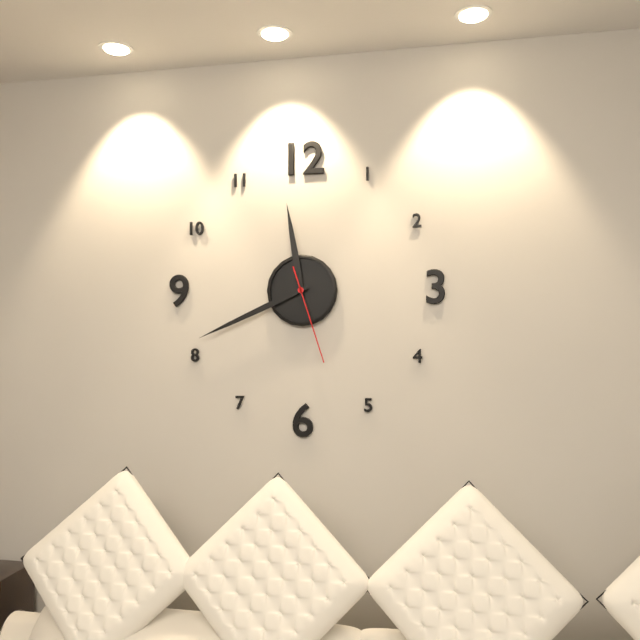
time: **11:41:27**
